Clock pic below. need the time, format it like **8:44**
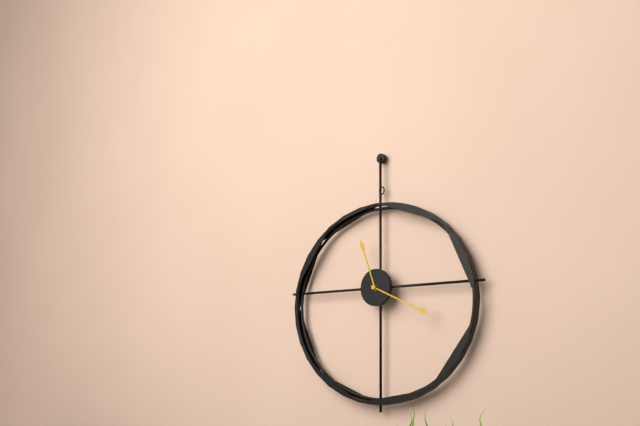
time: **11:19**
